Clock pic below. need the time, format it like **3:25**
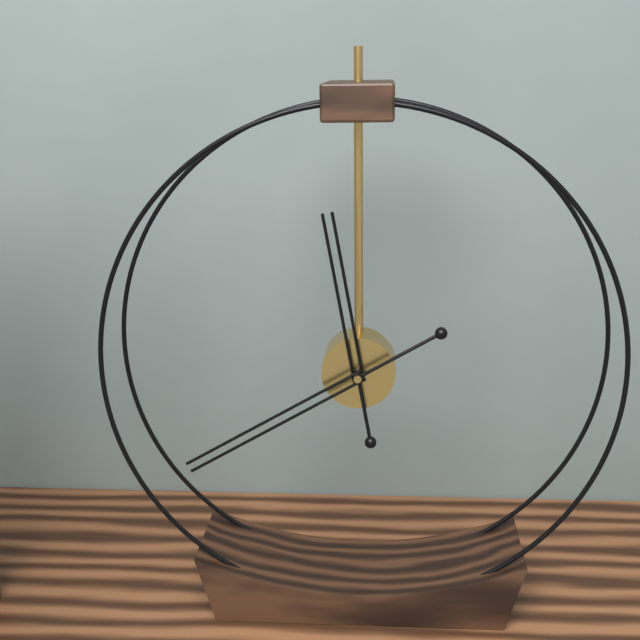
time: **11:40**
